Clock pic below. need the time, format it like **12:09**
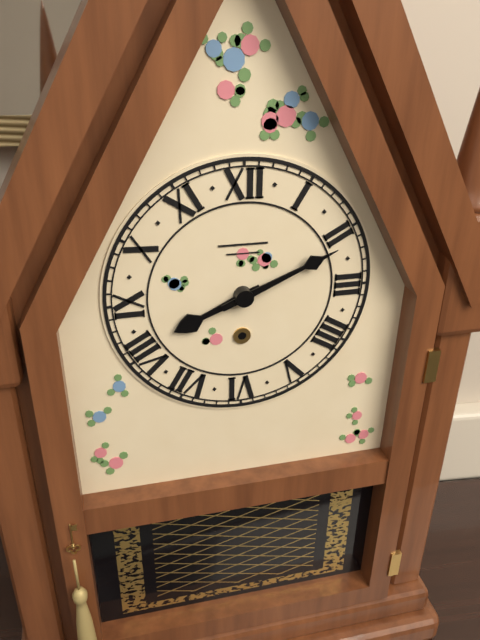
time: **8:11**
